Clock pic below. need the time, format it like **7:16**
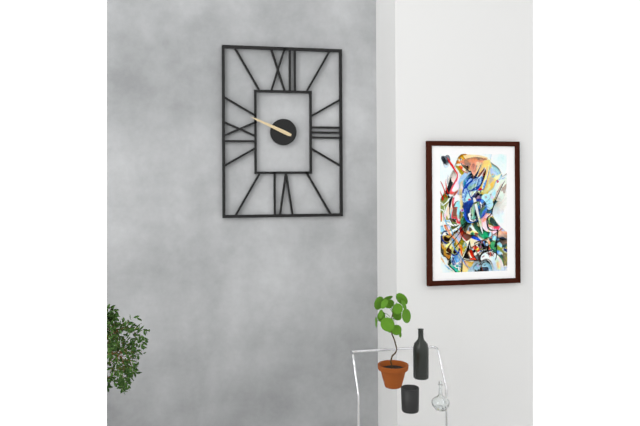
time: **9:49**
